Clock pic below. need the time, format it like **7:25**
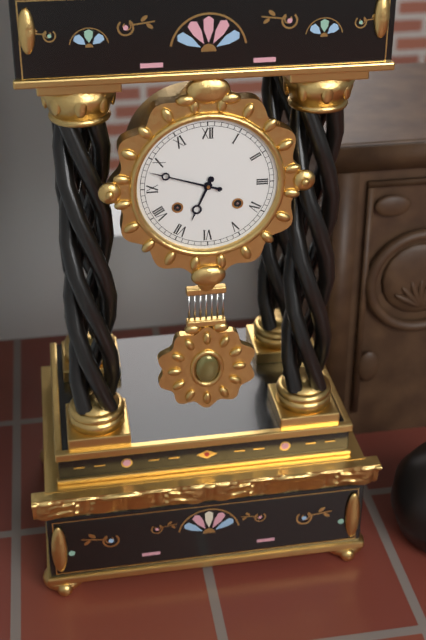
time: **6:48**
